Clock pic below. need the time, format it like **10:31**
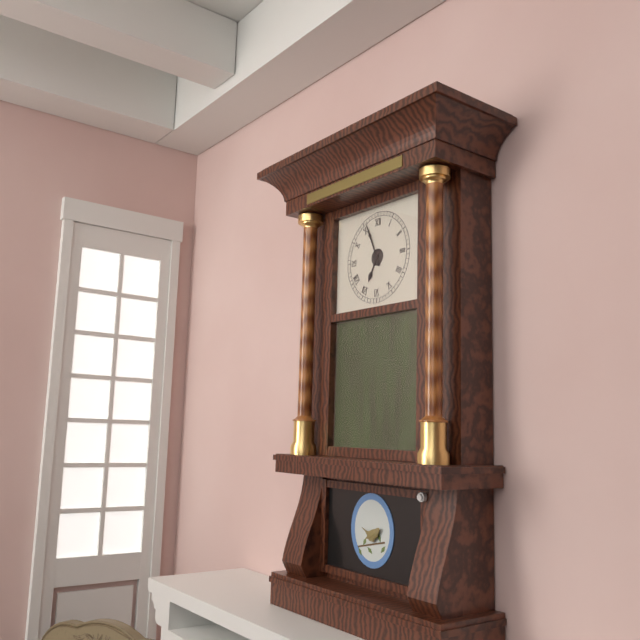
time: **6:56**
